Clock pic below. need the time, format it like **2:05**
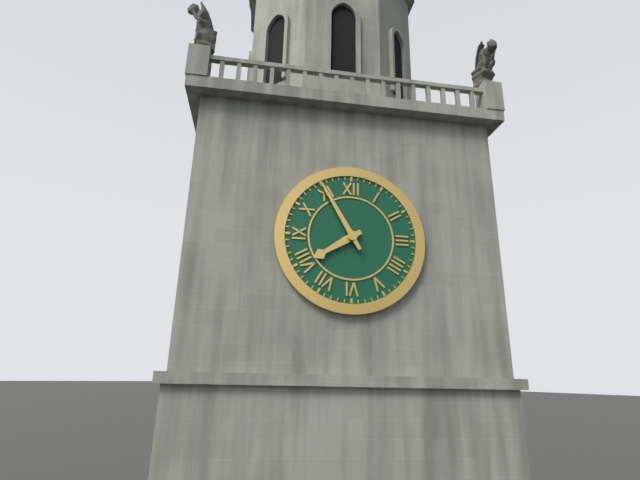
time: **7:55**
